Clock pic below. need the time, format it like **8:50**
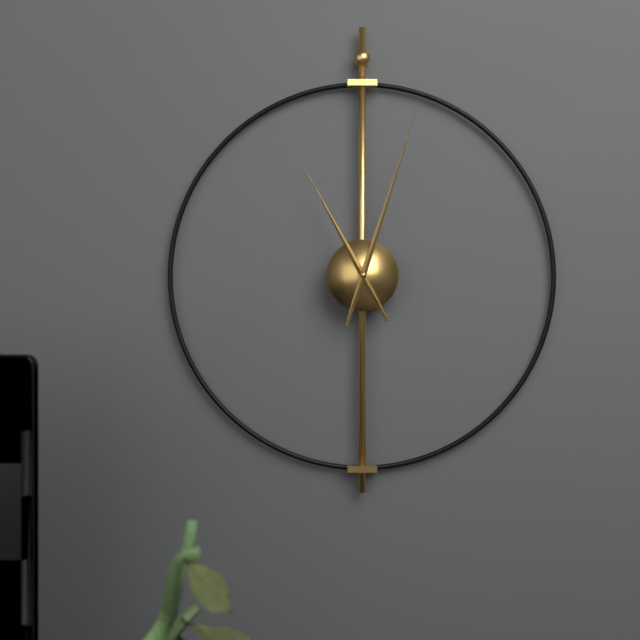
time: **11:03**
